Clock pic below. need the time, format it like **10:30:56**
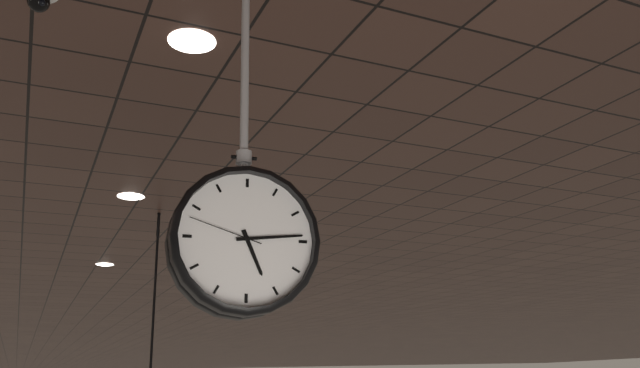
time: **5:14:48**
